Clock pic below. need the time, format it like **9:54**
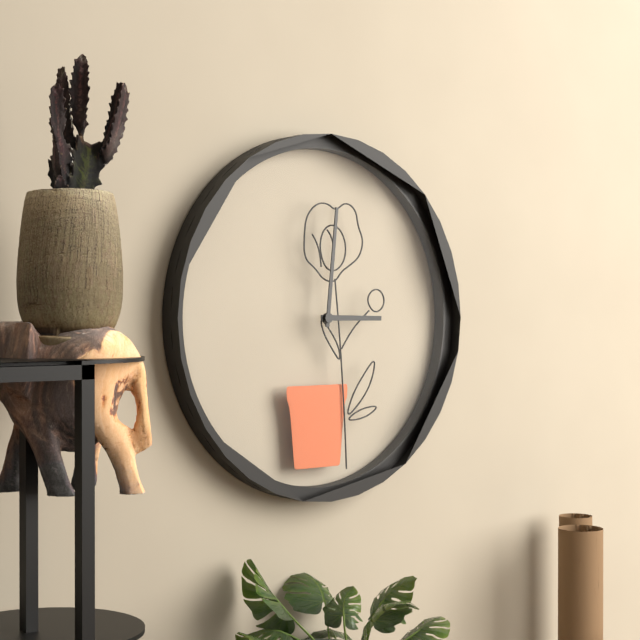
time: **3:01**
